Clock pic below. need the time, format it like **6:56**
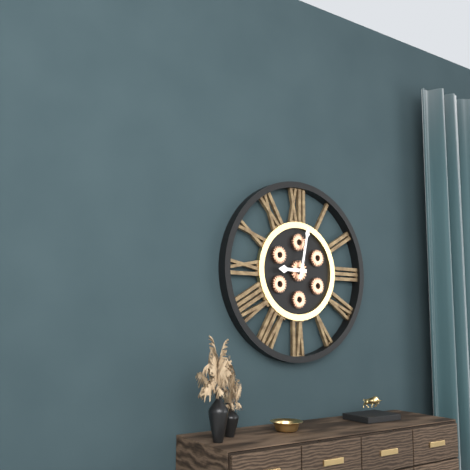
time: **9:02**
